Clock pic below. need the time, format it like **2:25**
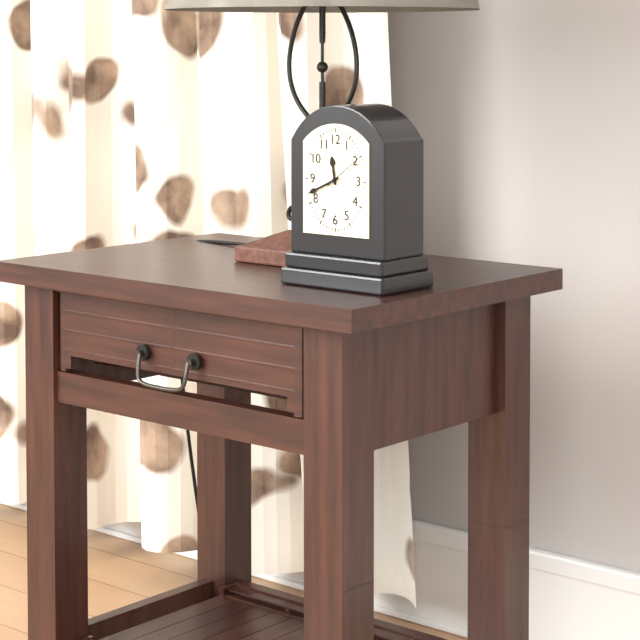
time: **11:41**
